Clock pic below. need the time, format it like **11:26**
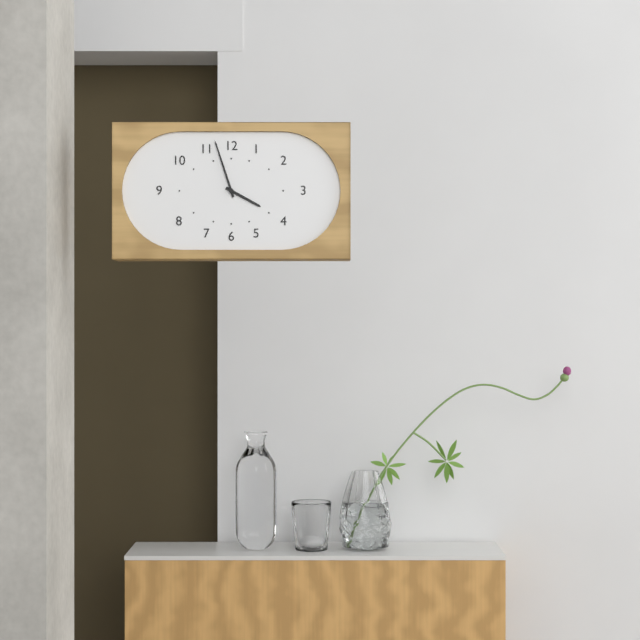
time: **3:57**
